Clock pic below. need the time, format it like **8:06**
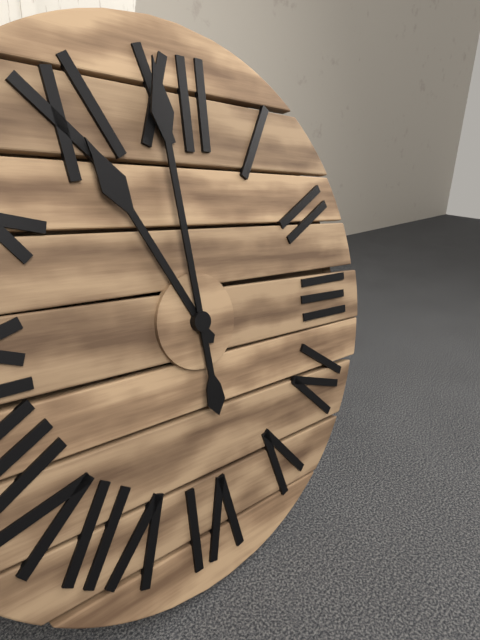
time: **10:59**
